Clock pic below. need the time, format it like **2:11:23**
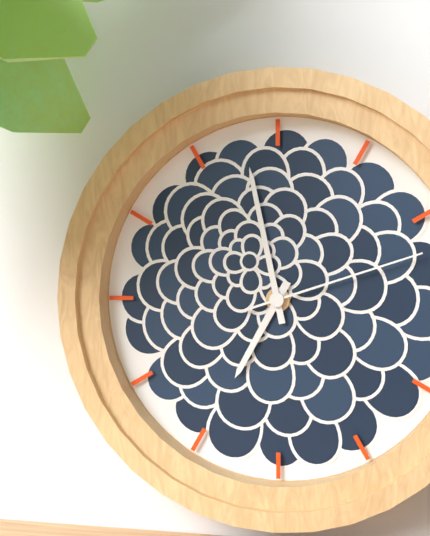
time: **6:58:12**
